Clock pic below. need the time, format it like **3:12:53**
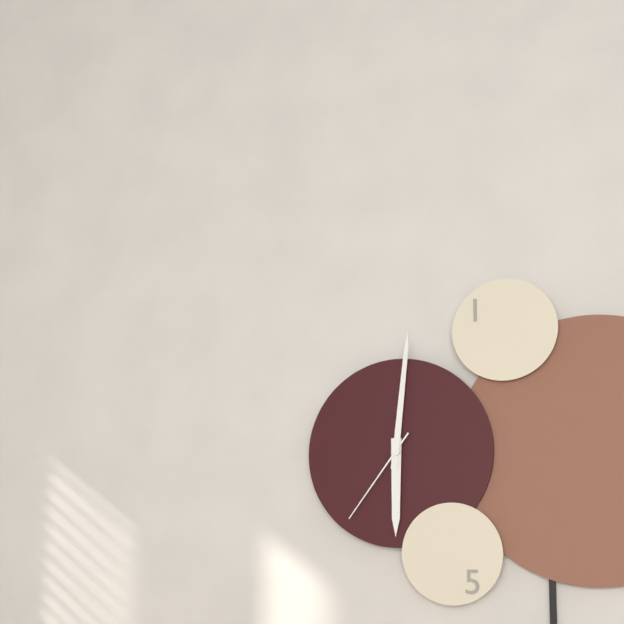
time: **6:01:36**
